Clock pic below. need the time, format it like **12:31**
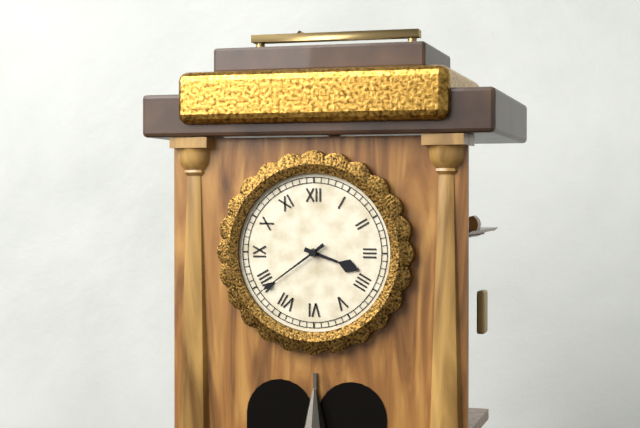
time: **3:39**
